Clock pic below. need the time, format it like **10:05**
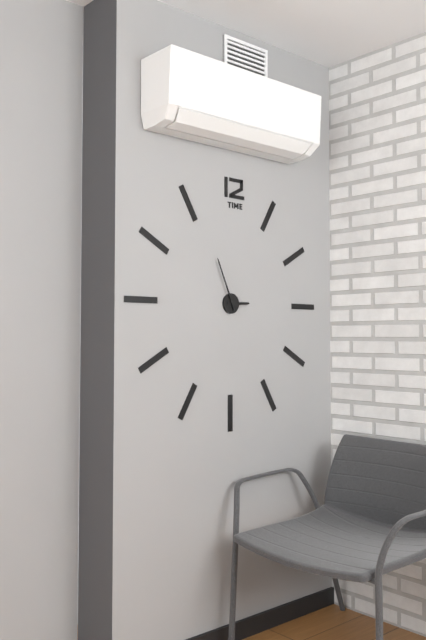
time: **2:56**
